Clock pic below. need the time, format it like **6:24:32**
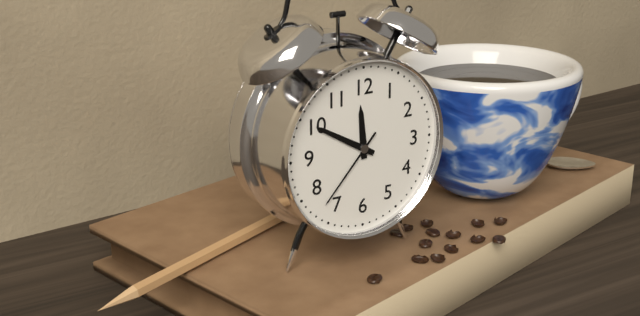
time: **11:50:37**
